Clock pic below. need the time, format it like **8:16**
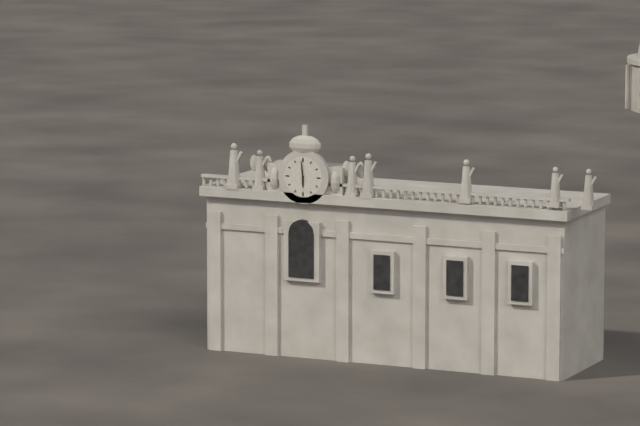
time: **5:59**
